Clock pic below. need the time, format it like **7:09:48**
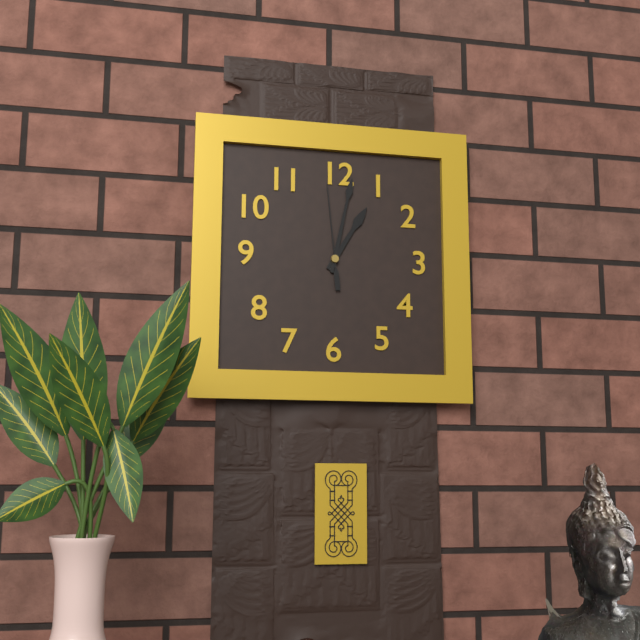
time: **1:02:59**
